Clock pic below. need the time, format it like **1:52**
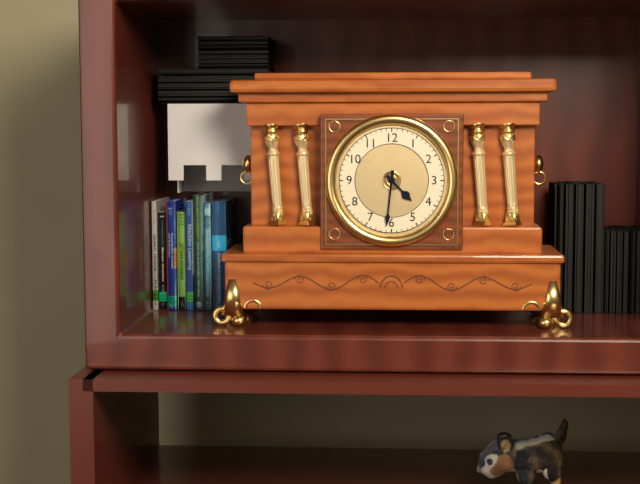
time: **4:31**
